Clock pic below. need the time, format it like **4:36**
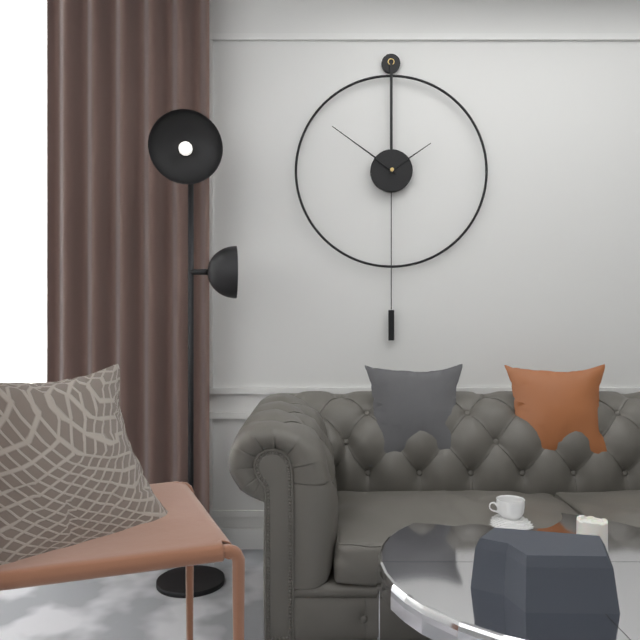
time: **1:51**
